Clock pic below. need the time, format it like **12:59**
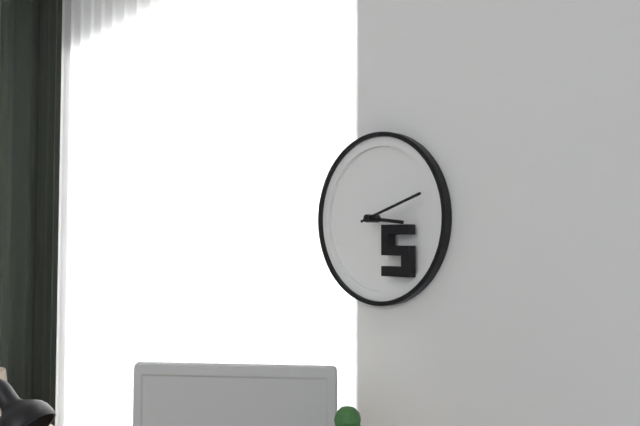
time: **3:12**
